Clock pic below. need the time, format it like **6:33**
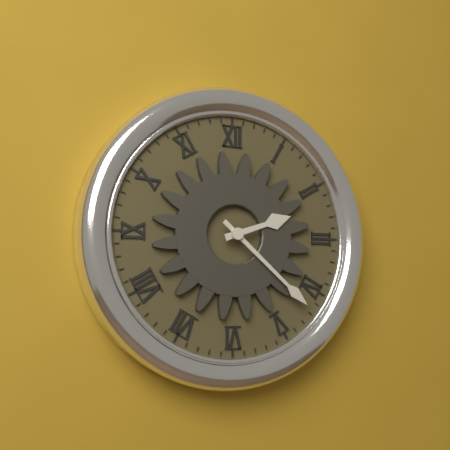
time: **2:22**
